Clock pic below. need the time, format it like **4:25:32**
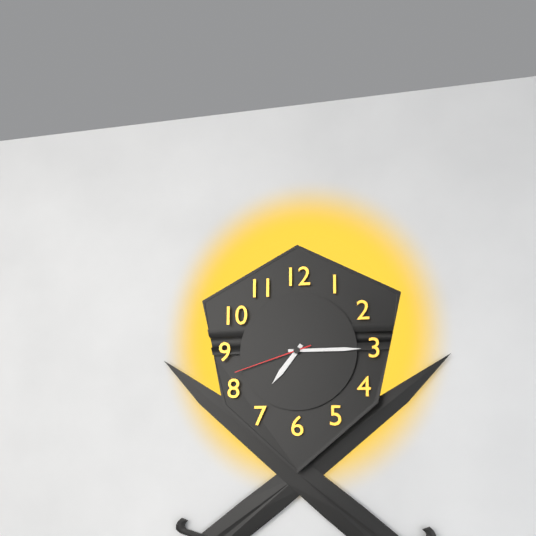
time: **7:15:42**
